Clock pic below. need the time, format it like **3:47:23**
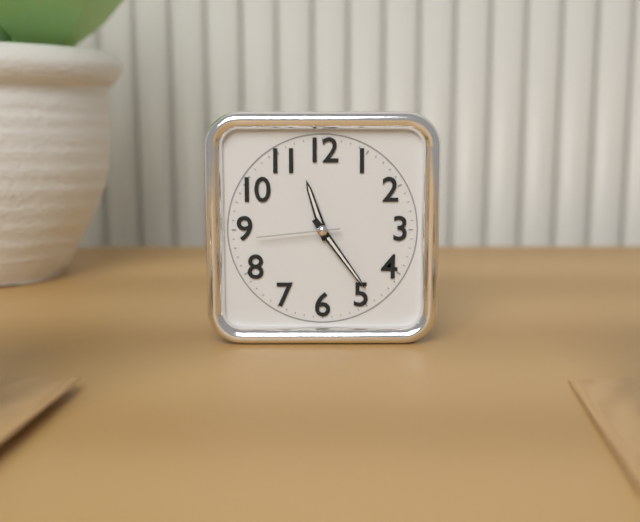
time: **11:24:44**
